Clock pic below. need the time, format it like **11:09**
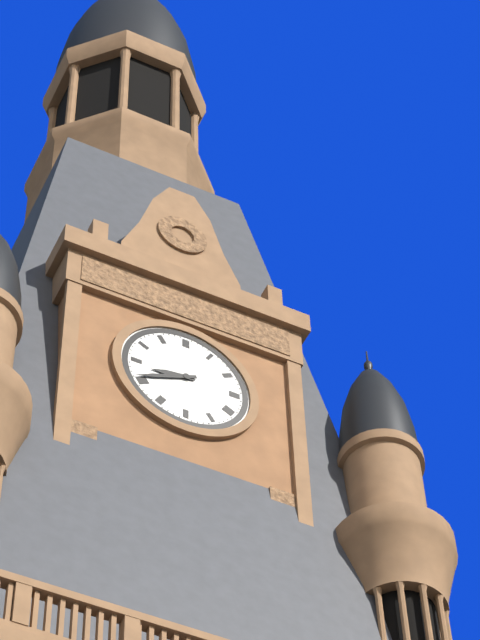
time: **8:41**
